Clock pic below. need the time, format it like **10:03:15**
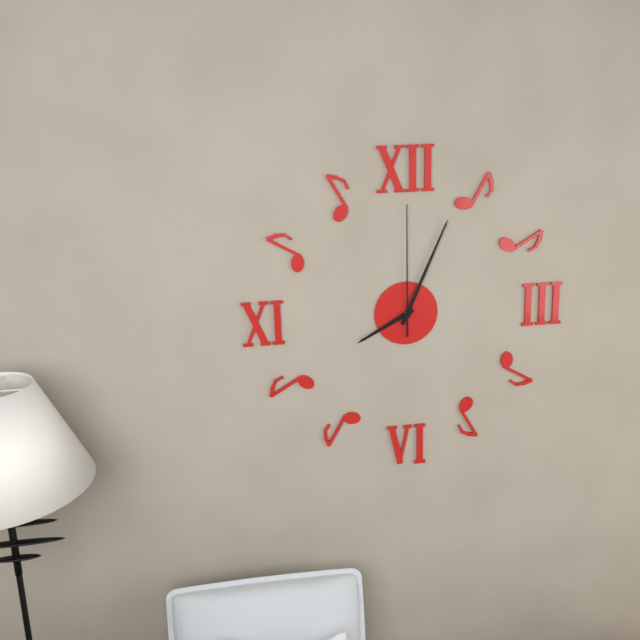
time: **8:04:00**
